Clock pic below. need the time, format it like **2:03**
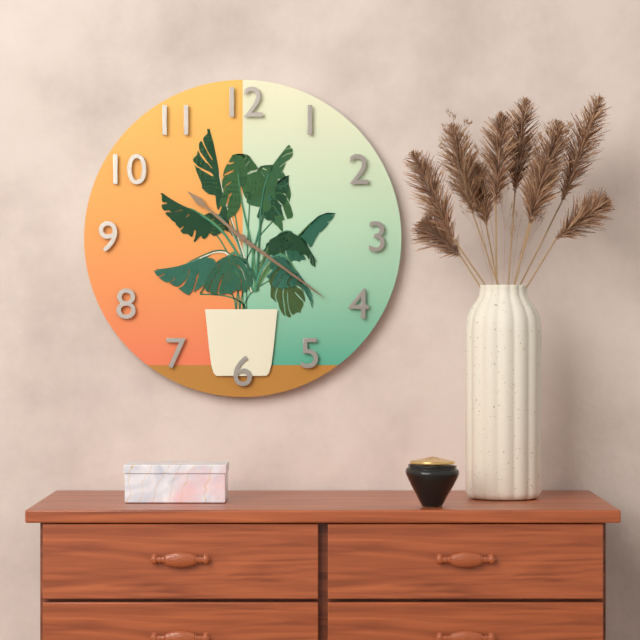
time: **10:21**
